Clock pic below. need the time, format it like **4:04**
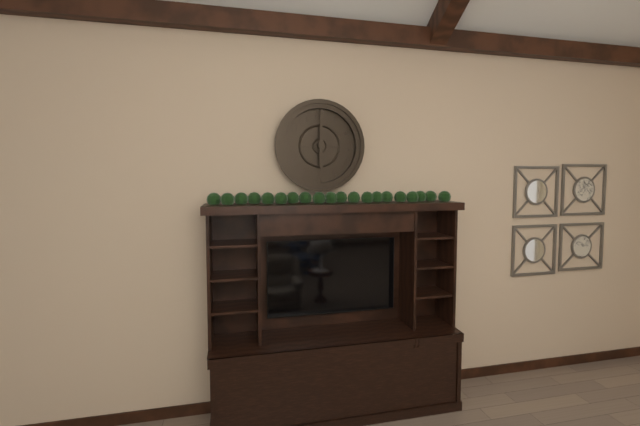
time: **6:00**
